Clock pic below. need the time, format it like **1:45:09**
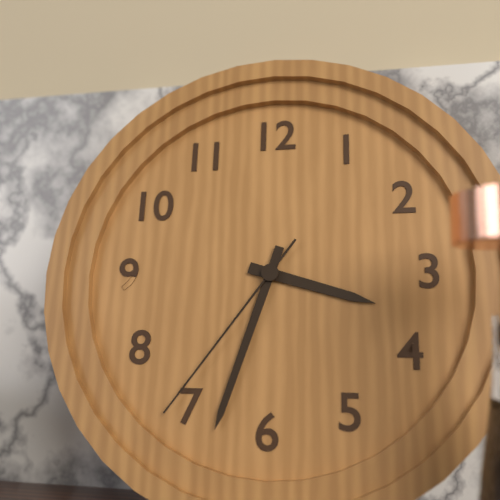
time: **3:33:36**
